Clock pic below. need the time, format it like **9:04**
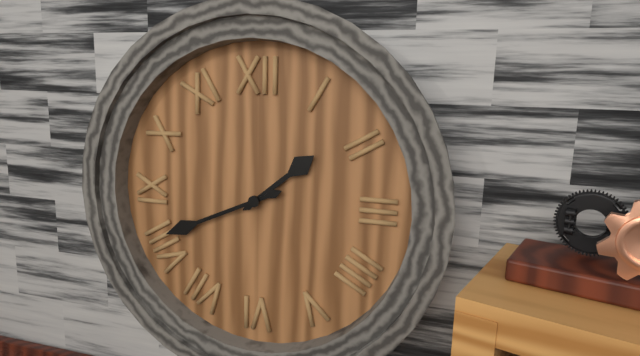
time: **1:41**
